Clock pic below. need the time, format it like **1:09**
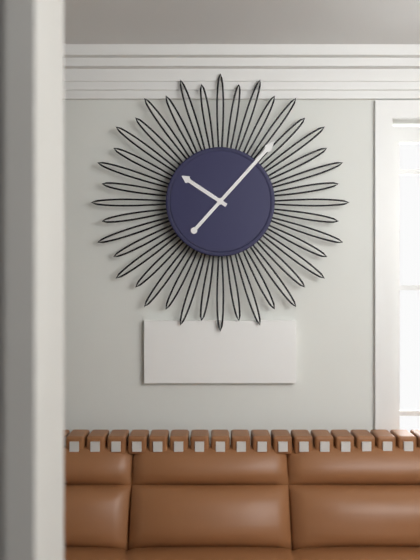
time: **10:07**
